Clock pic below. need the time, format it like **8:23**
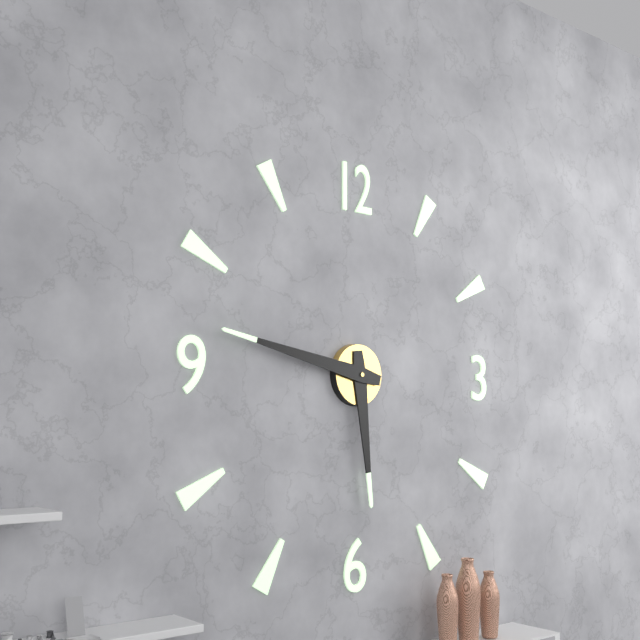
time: **5:47**
